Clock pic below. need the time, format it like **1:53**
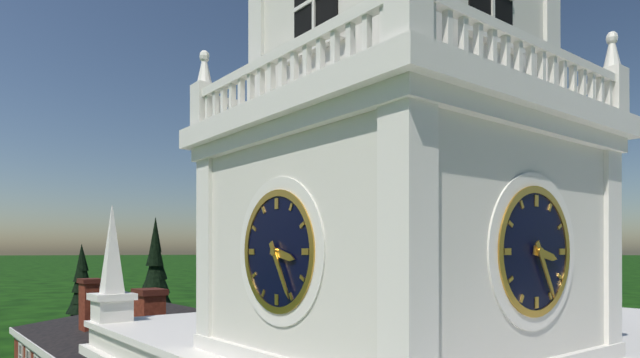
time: **3:25**
